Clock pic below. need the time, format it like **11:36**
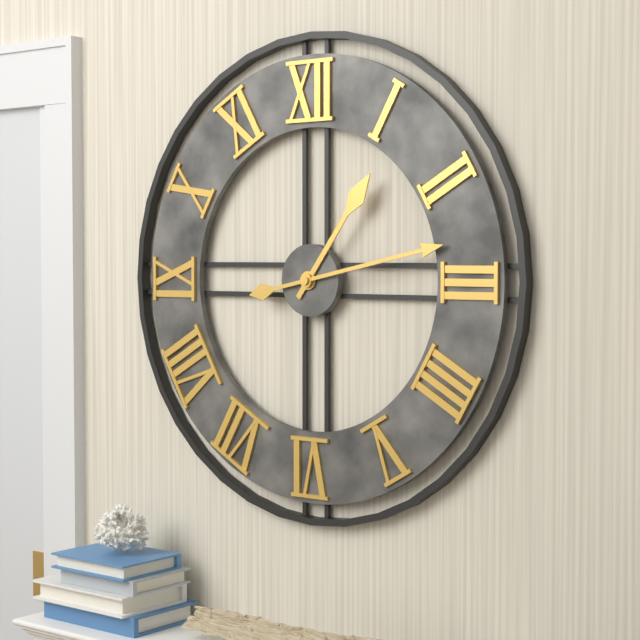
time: **1:13**
